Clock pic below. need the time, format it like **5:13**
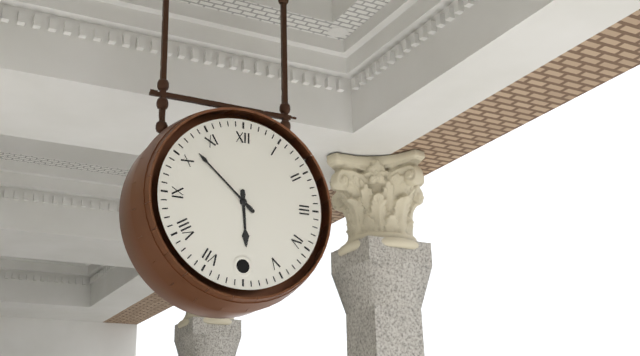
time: **5:52**
